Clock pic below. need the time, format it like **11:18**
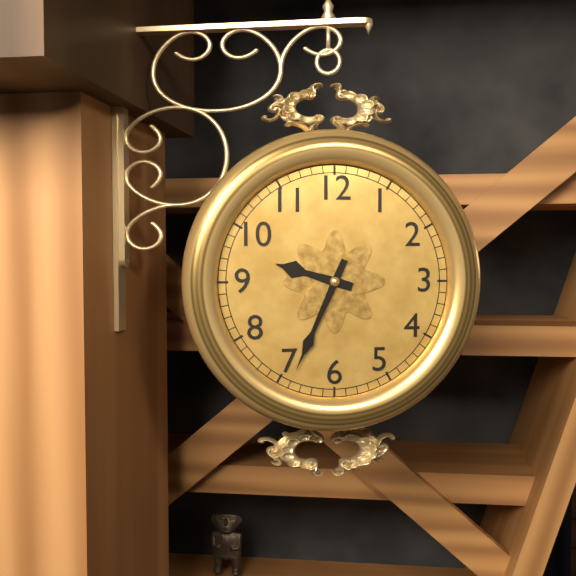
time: **9:34**
